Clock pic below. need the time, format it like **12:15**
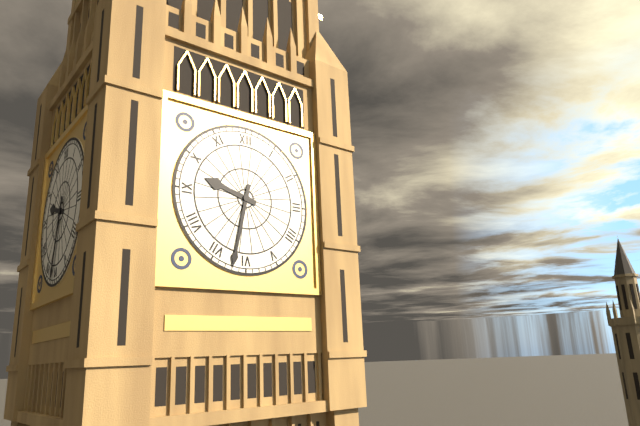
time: **9:32**
